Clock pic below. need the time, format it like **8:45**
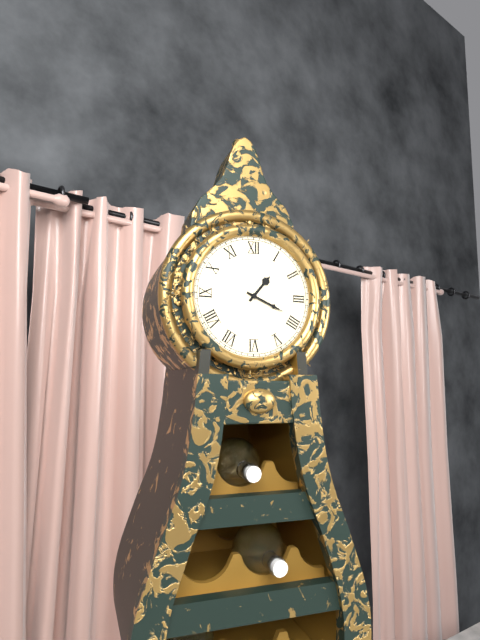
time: **1:19**
